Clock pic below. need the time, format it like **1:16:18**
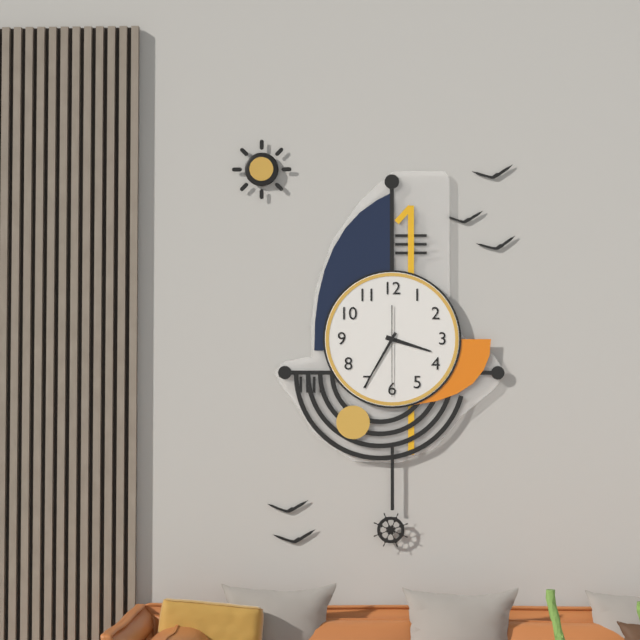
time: **3:35:30**
